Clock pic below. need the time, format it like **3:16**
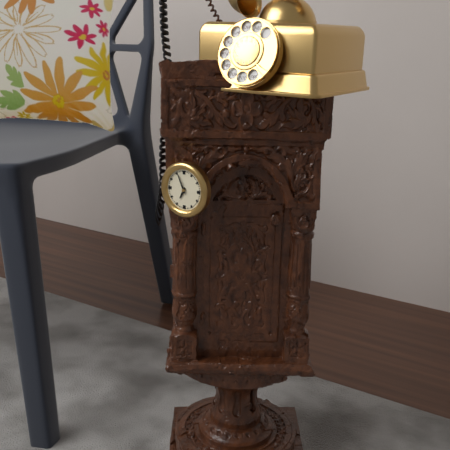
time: **6:56**
